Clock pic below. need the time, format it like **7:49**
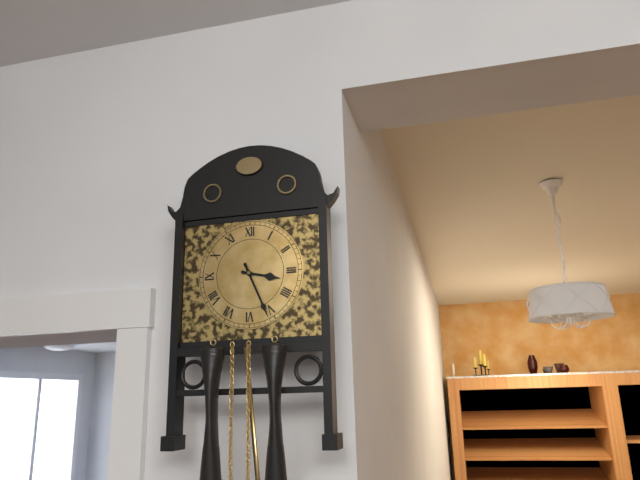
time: **3:26**
